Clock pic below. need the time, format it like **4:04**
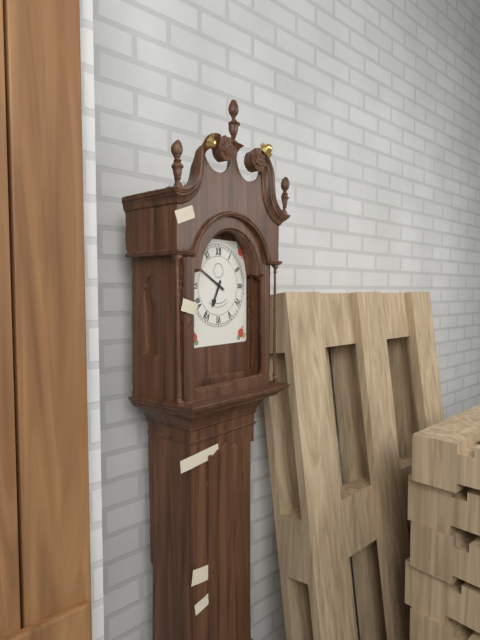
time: **6:50**
